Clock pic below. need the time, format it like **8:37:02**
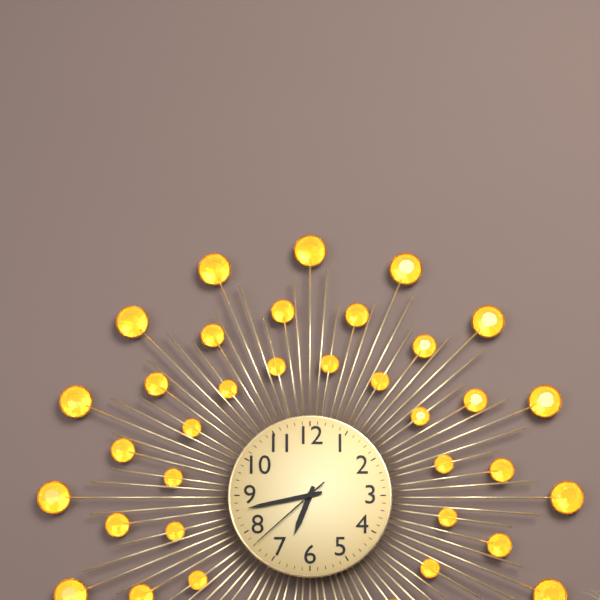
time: **6:43:38**
